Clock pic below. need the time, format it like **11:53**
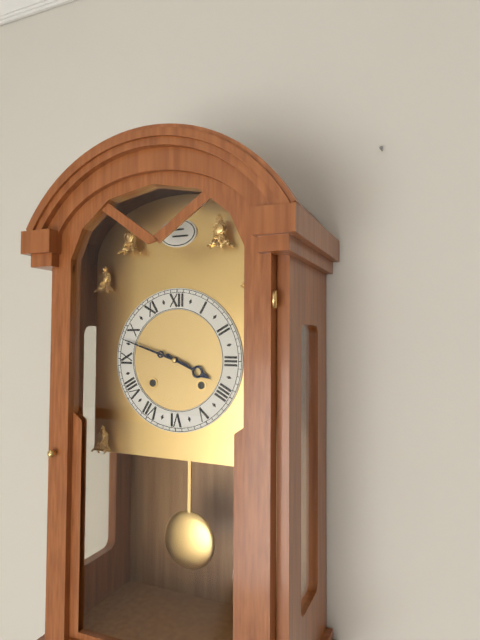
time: **3:48**
